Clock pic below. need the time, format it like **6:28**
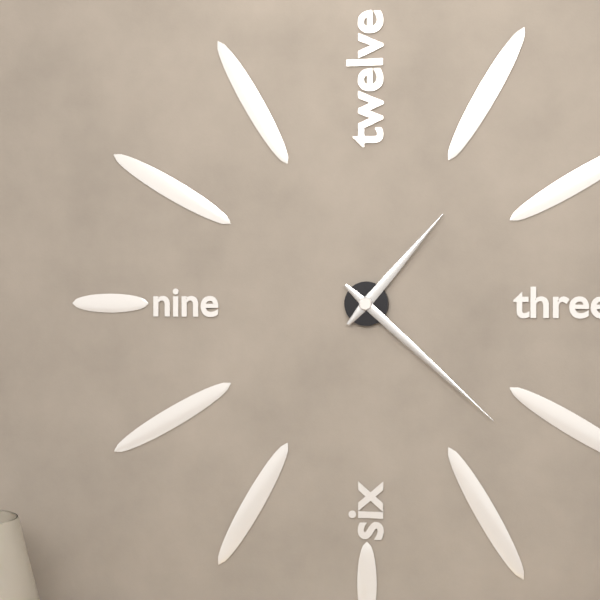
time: **1:22**
